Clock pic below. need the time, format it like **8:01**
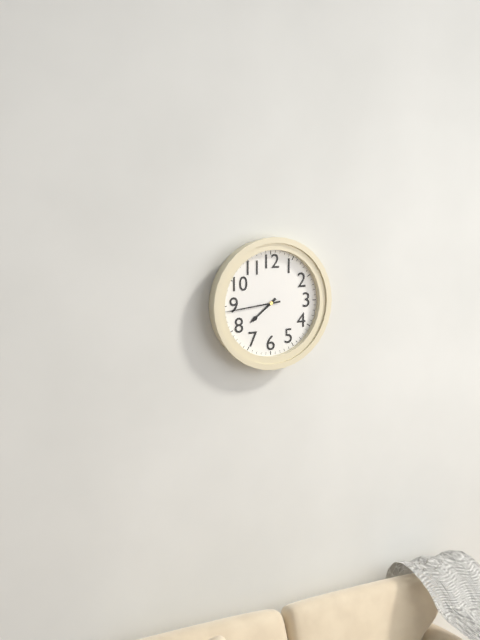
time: **7:44**
